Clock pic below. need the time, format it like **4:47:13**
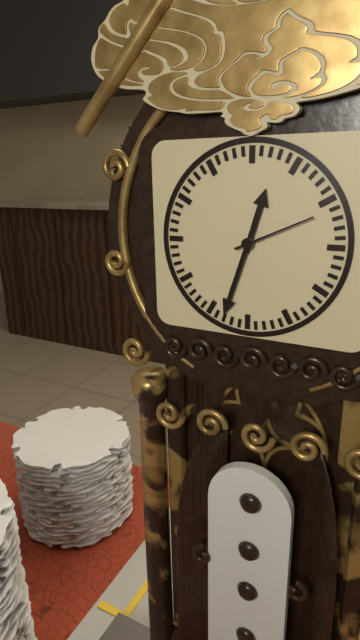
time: **12:33:11**
